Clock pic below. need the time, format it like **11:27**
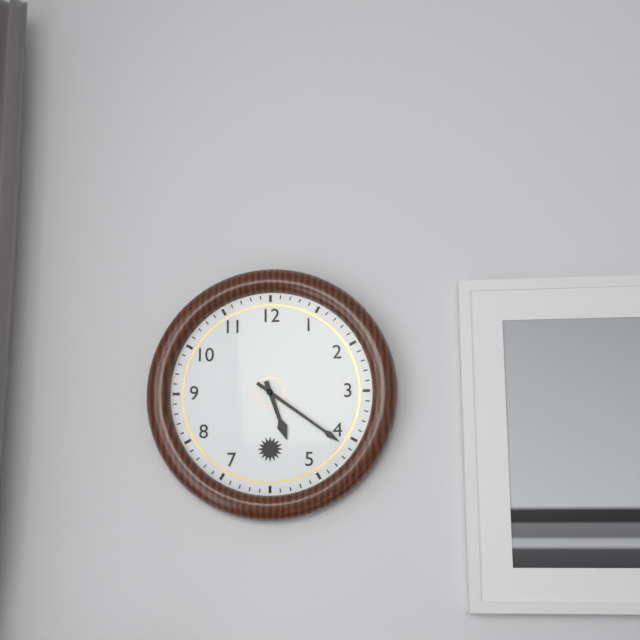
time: **5:21**
